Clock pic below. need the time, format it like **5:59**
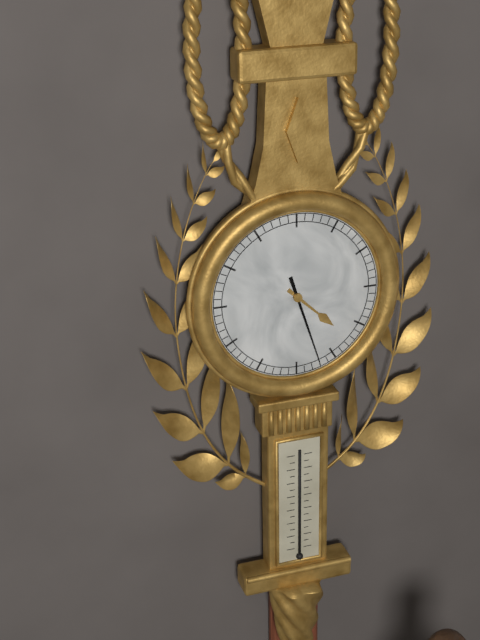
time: **4:27**
